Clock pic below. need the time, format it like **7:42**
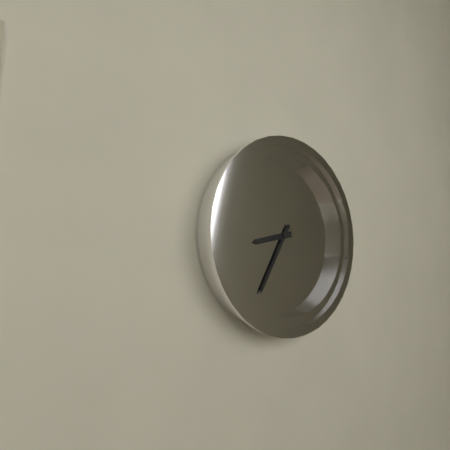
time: **8:35**
